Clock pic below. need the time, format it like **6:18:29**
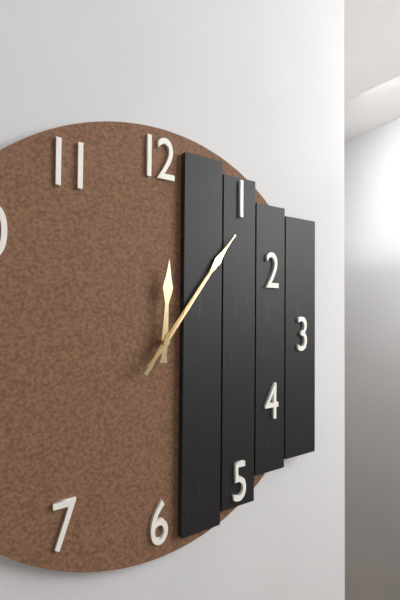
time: **12:06:06**
